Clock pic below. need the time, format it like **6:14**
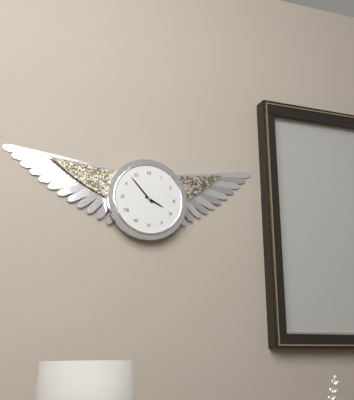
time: **3:53**
